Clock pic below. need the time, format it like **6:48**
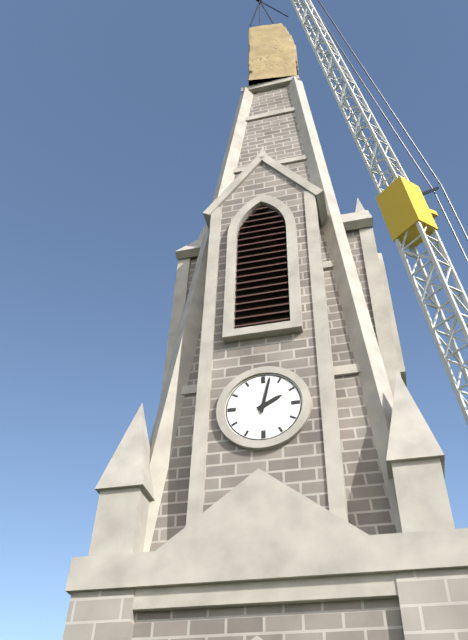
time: **2:02**
